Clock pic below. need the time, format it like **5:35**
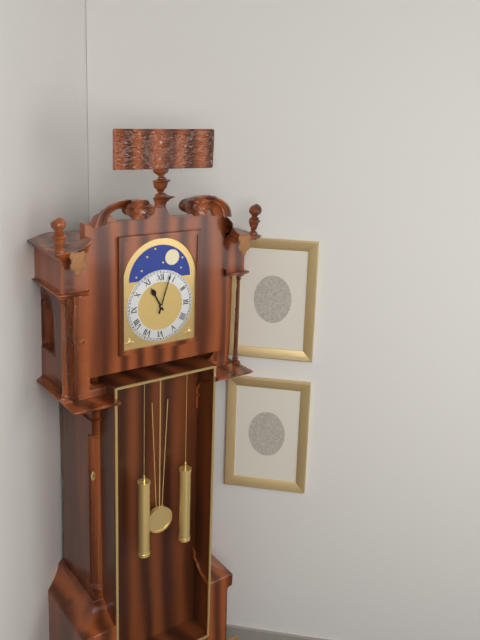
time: **11:03**
